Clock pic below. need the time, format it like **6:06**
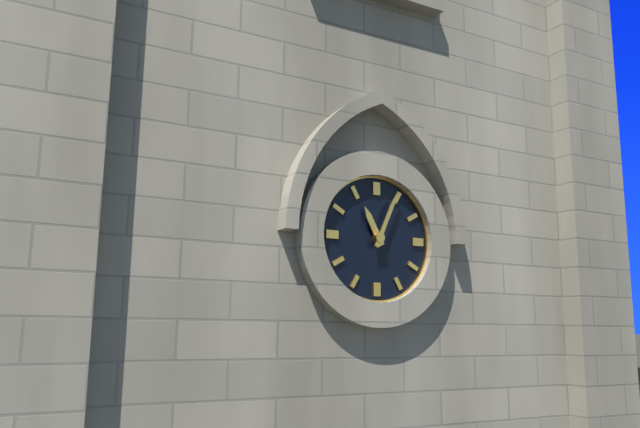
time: **11:04**
